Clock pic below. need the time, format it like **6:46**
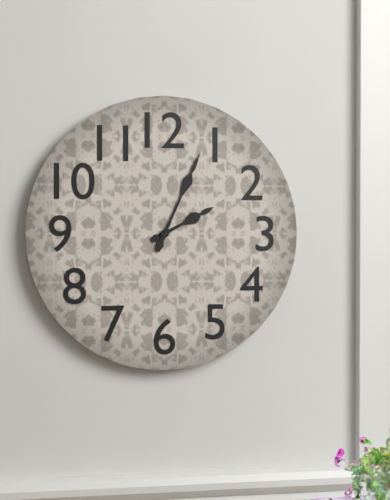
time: **2:04**
